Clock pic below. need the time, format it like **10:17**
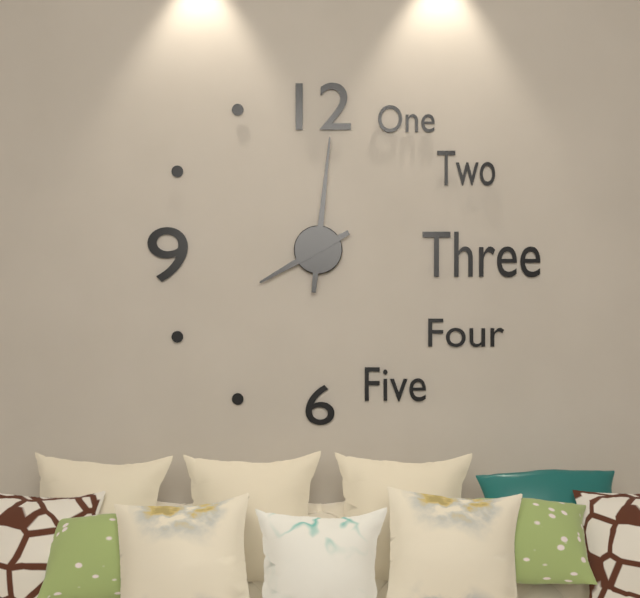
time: **8:01**
